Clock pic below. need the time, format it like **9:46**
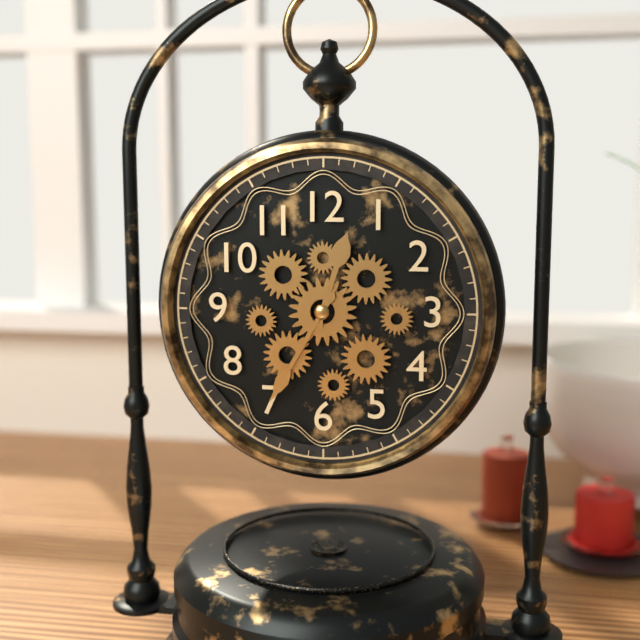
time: **12:35**
